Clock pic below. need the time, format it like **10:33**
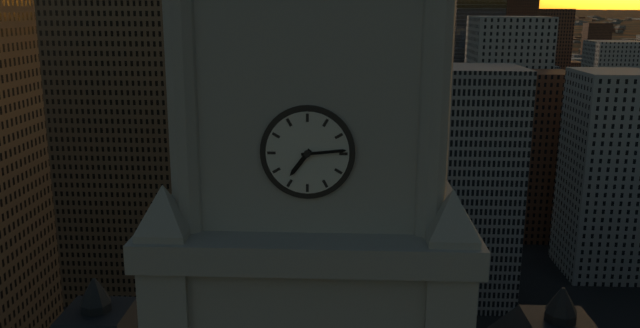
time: **7:14**
